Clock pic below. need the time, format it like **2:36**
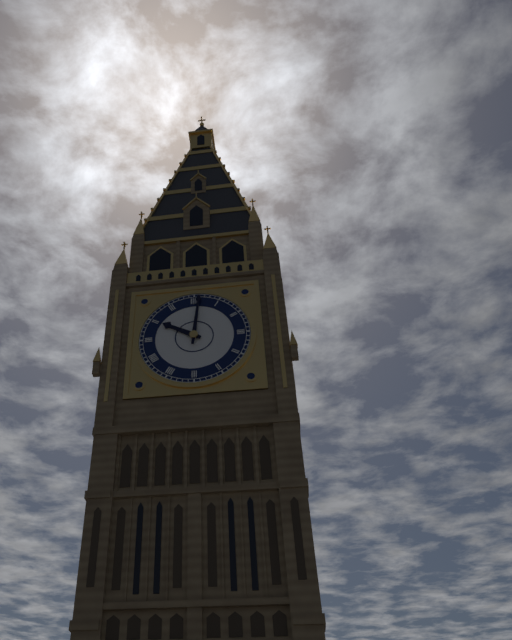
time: **10:01**
